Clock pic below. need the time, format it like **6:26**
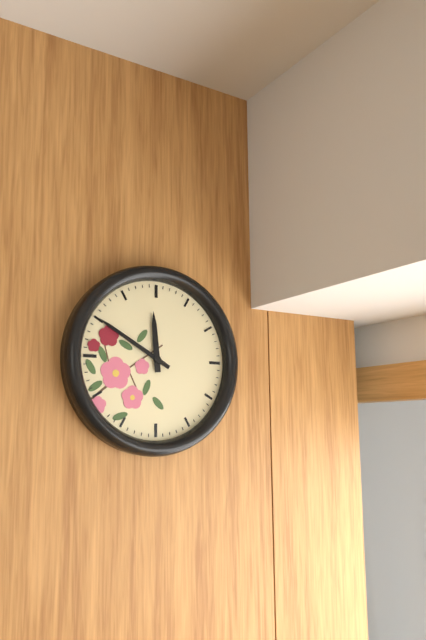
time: **11:50**
